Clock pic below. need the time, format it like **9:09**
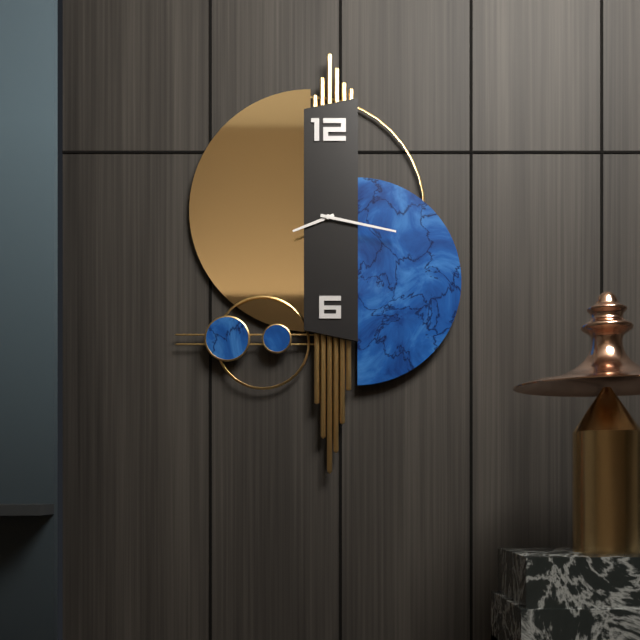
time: **8:17**
